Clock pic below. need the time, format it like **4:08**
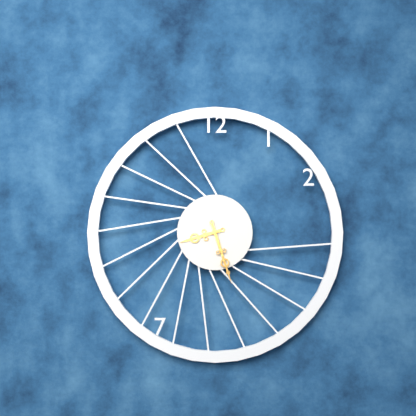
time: **8:27**
